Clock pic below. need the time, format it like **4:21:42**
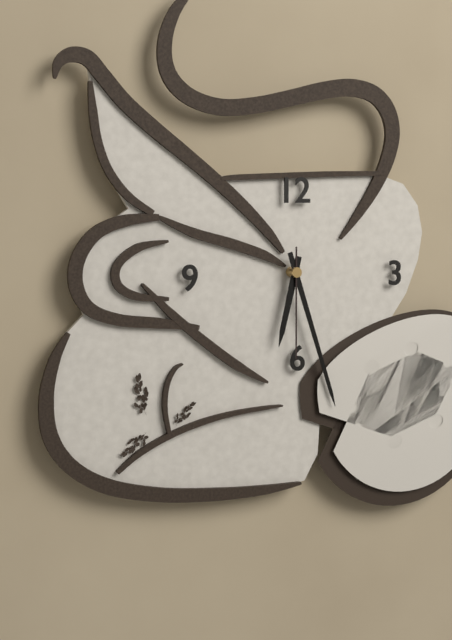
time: **6:27:30**
